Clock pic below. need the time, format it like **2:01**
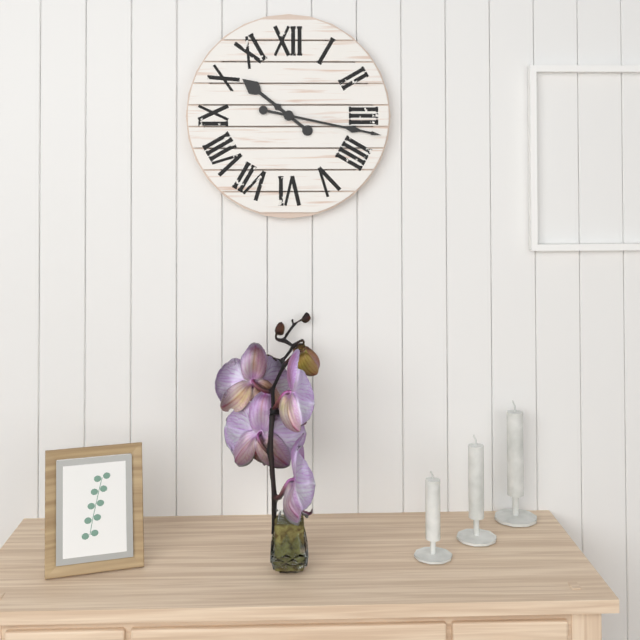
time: **10:17**
